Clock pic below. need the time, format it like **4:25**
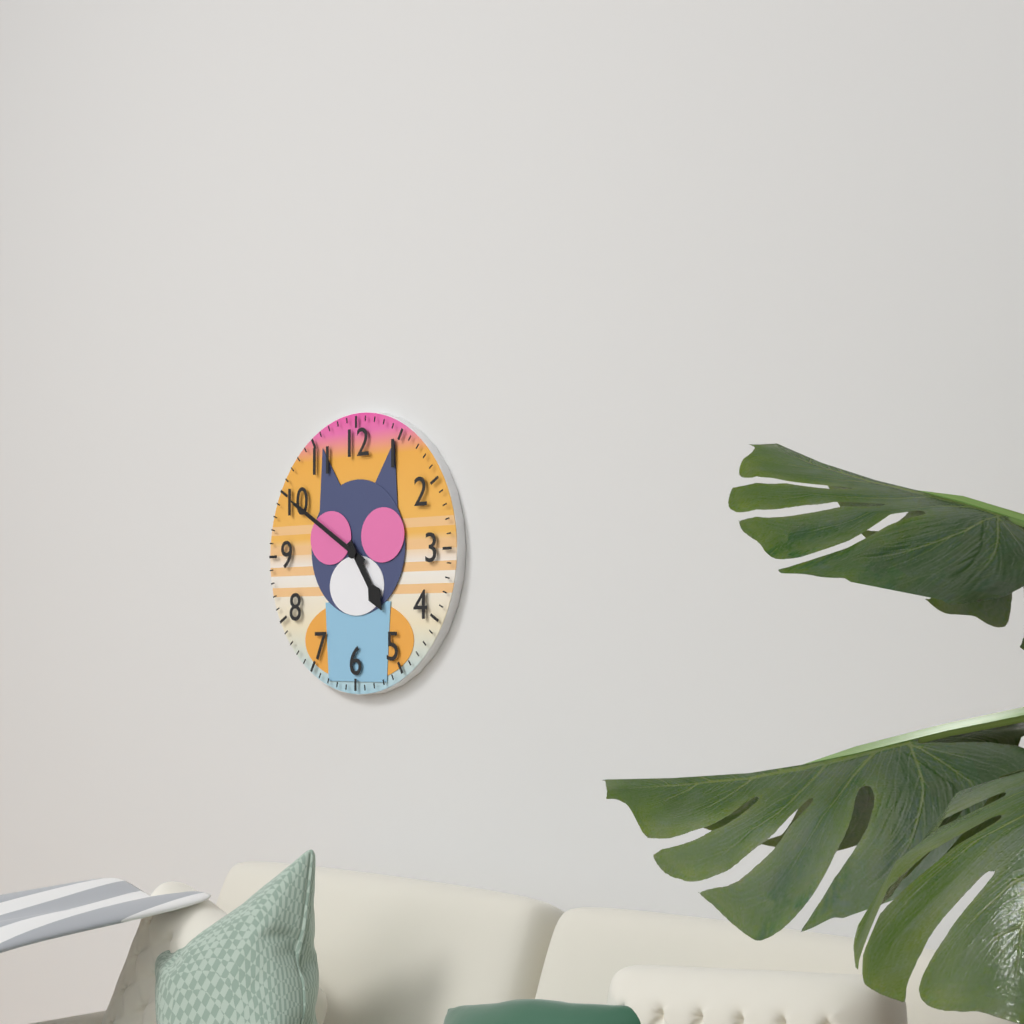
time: **4:50**
